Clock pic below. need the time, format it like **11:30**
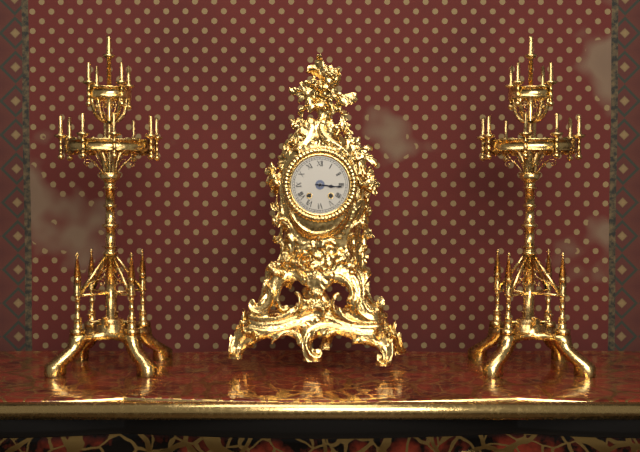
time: **3:16**
